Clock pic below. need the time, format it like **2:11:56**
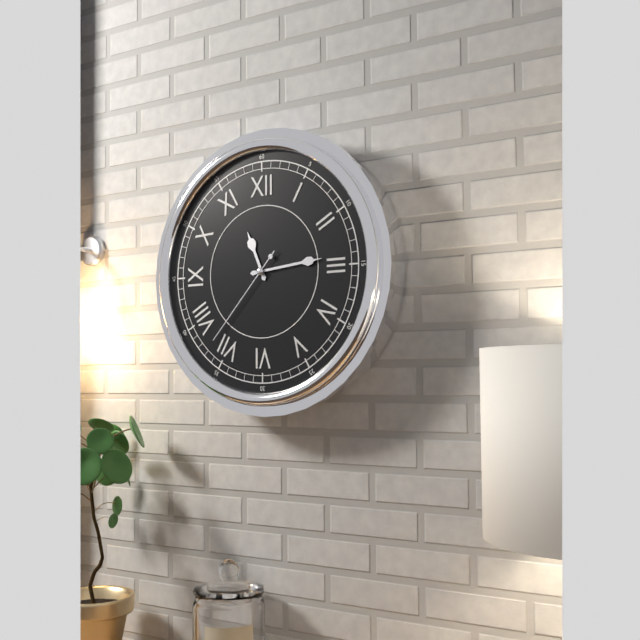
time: **11:14:37**
